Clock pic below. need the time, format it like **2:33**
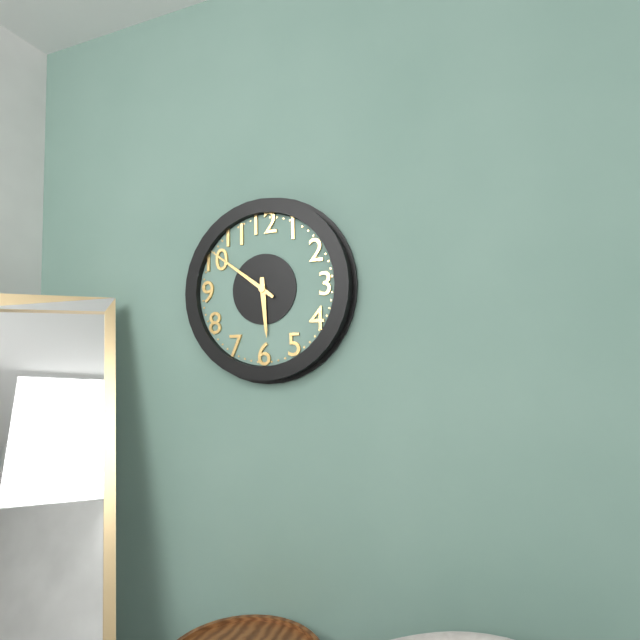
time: **5:51**
